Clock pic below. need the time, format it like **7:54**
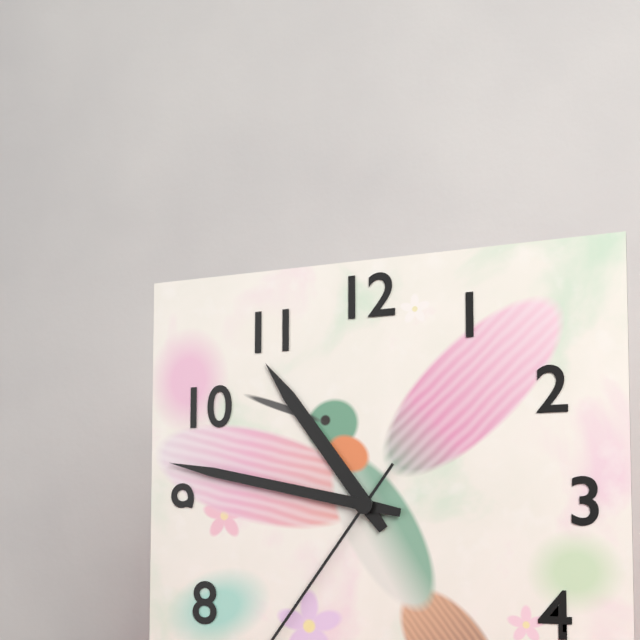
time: **10:47**
